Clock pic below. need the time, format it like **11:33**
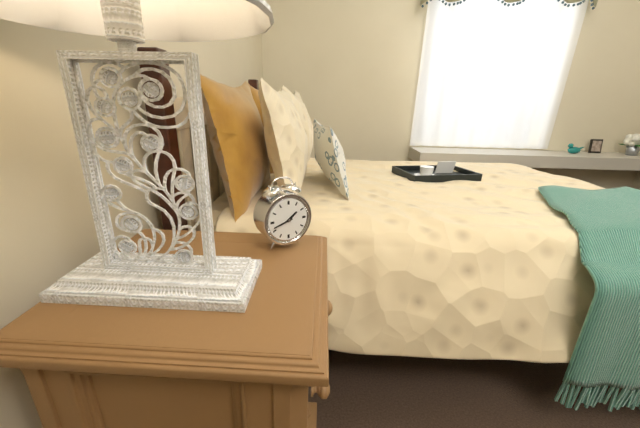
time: **1:42**
